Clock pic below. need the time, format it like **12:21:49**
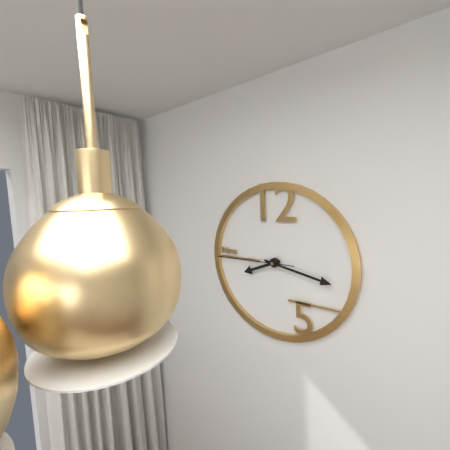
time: **8:17:45**
